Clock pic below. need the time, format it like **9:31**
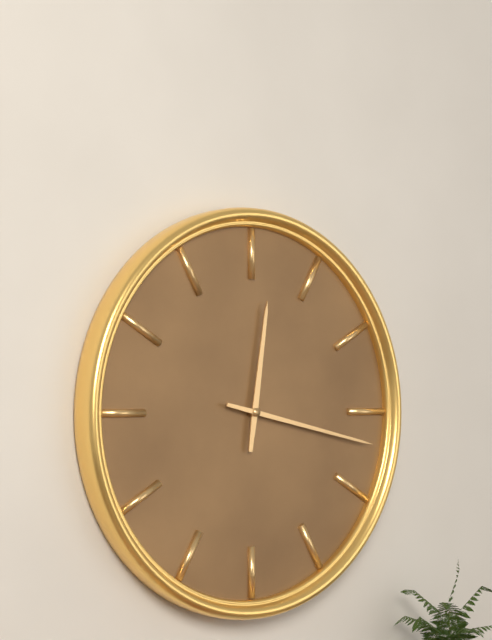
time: **12:17**
